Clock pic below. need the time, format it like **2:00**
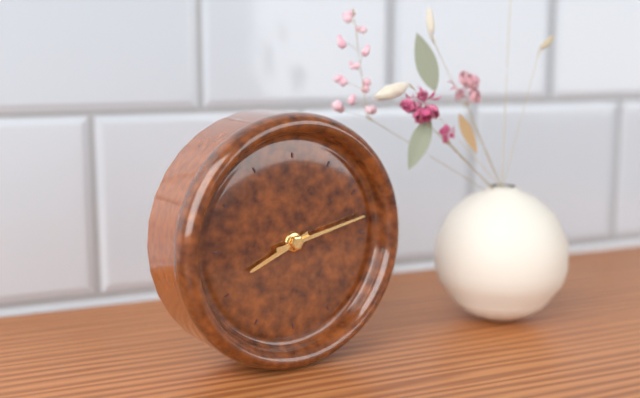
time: **8:13**
